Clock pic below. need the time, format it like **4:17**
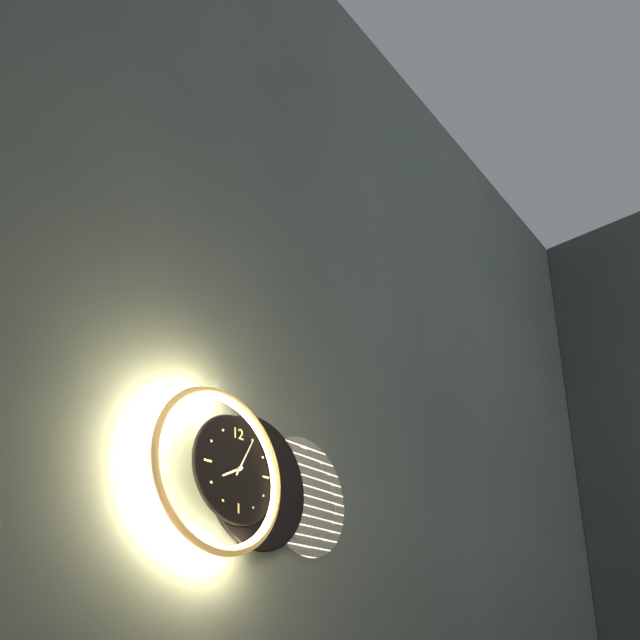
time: **8:05**
